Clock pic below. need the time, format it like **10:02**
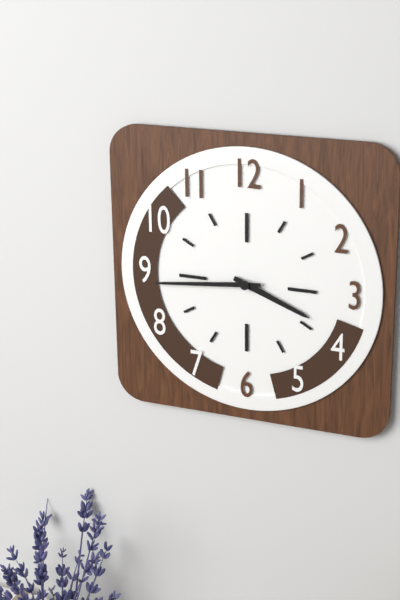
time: **3:44**
